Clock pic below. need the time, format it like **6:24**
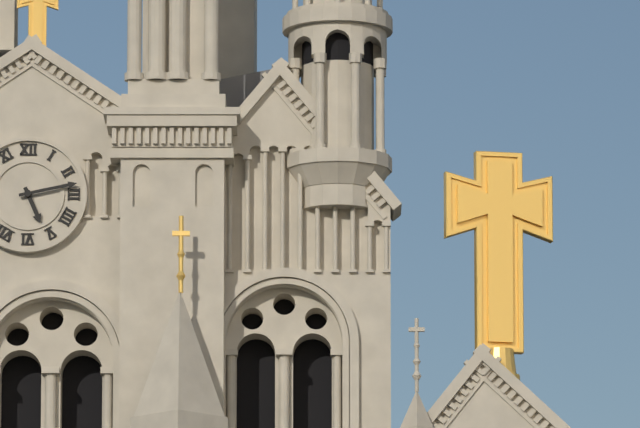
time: **5:13**
